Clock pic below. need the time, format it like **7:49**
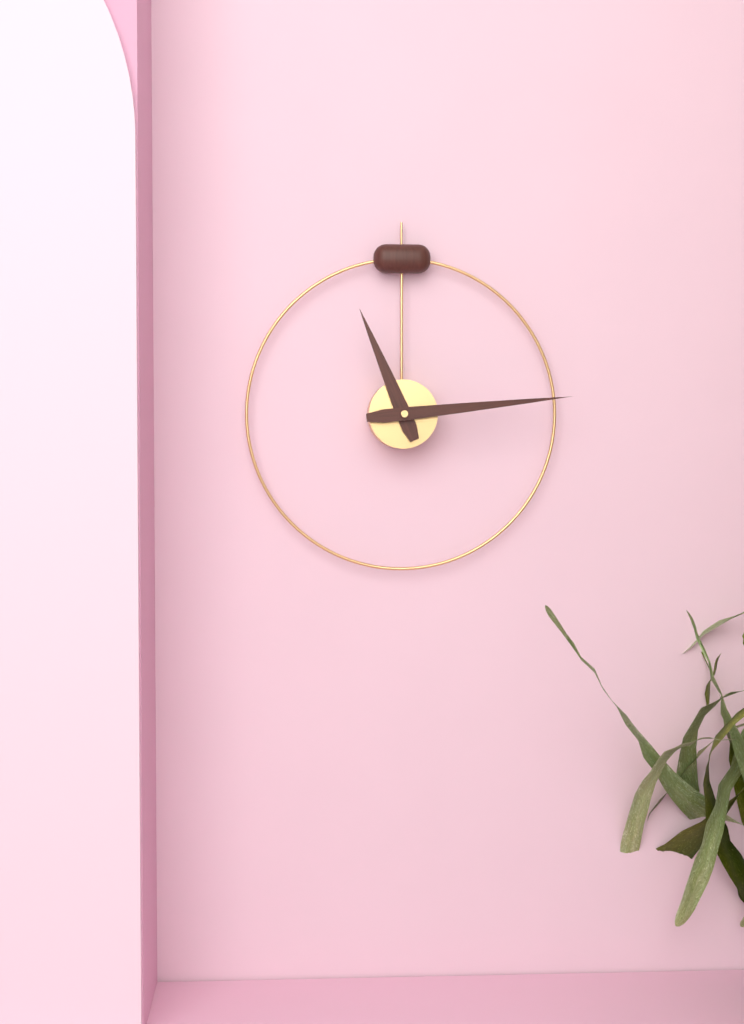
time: **11:14**
